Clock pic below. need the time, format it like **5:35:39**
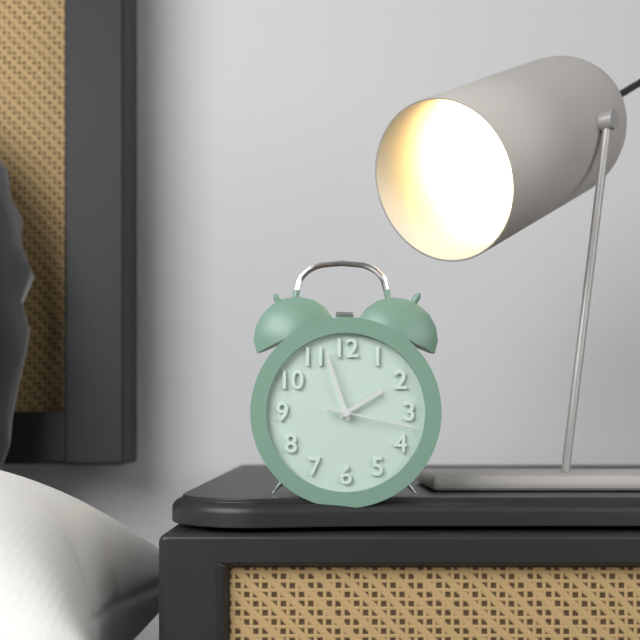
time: **1:57:17**
